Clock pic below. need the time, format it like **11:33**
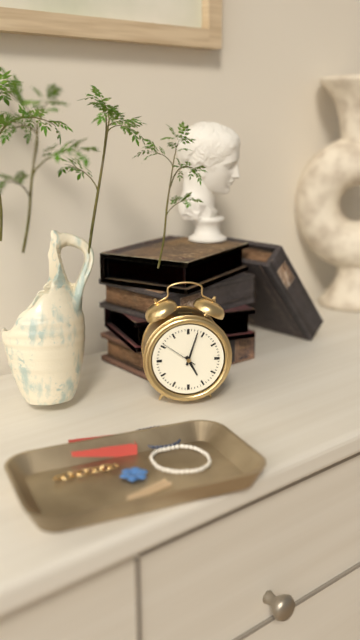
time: **5:03**
